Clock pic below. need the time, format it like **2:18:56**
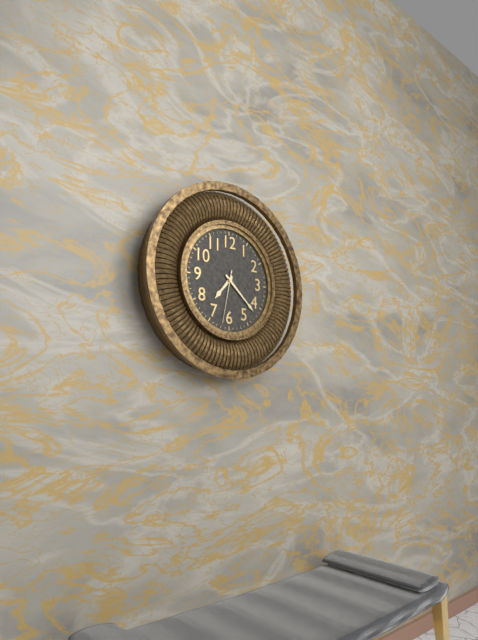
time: **7:22:32**
